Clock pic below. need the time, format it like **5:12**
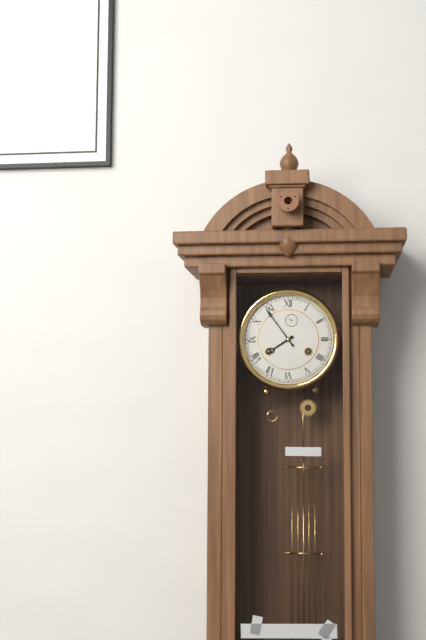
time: **7:54**
